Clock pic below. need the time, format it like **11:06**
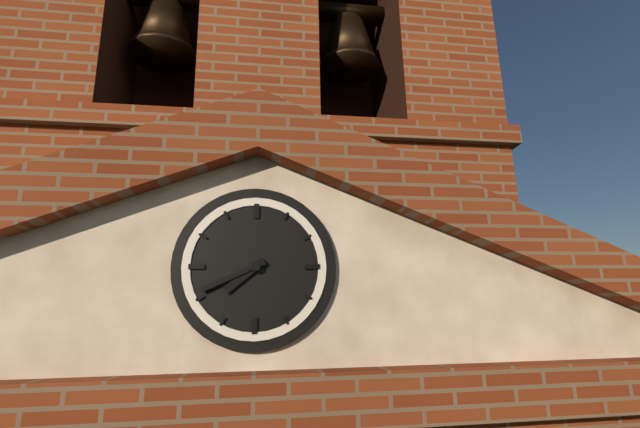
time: **7:41**
